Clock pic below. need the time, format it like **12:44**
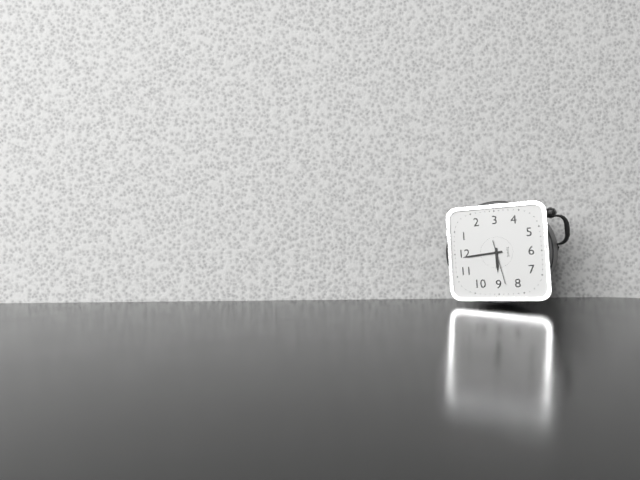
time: **8:59**
